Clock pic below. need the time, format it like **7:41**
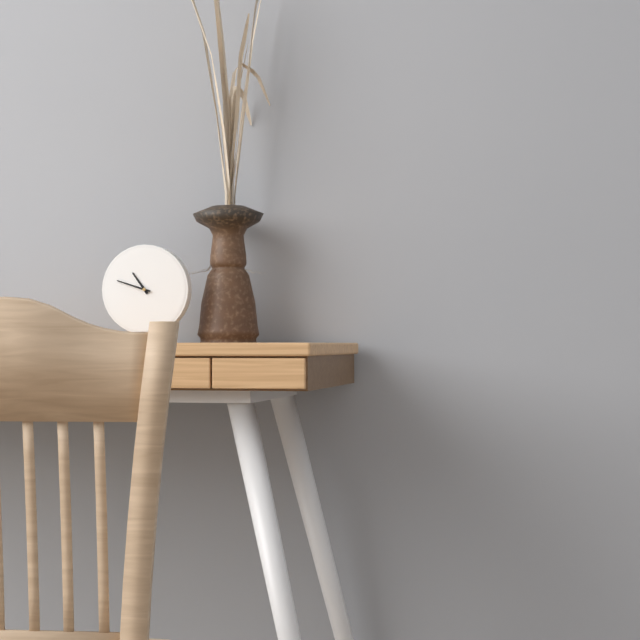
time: **10:48**
